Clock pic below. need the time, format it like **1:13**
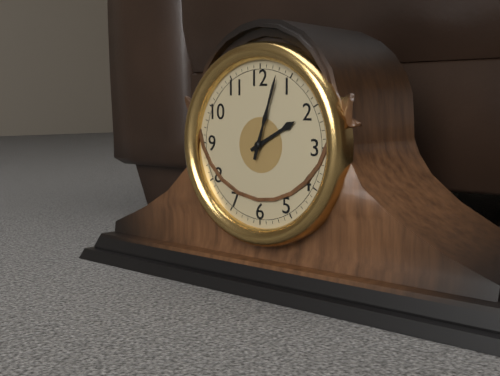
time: **2:03**
